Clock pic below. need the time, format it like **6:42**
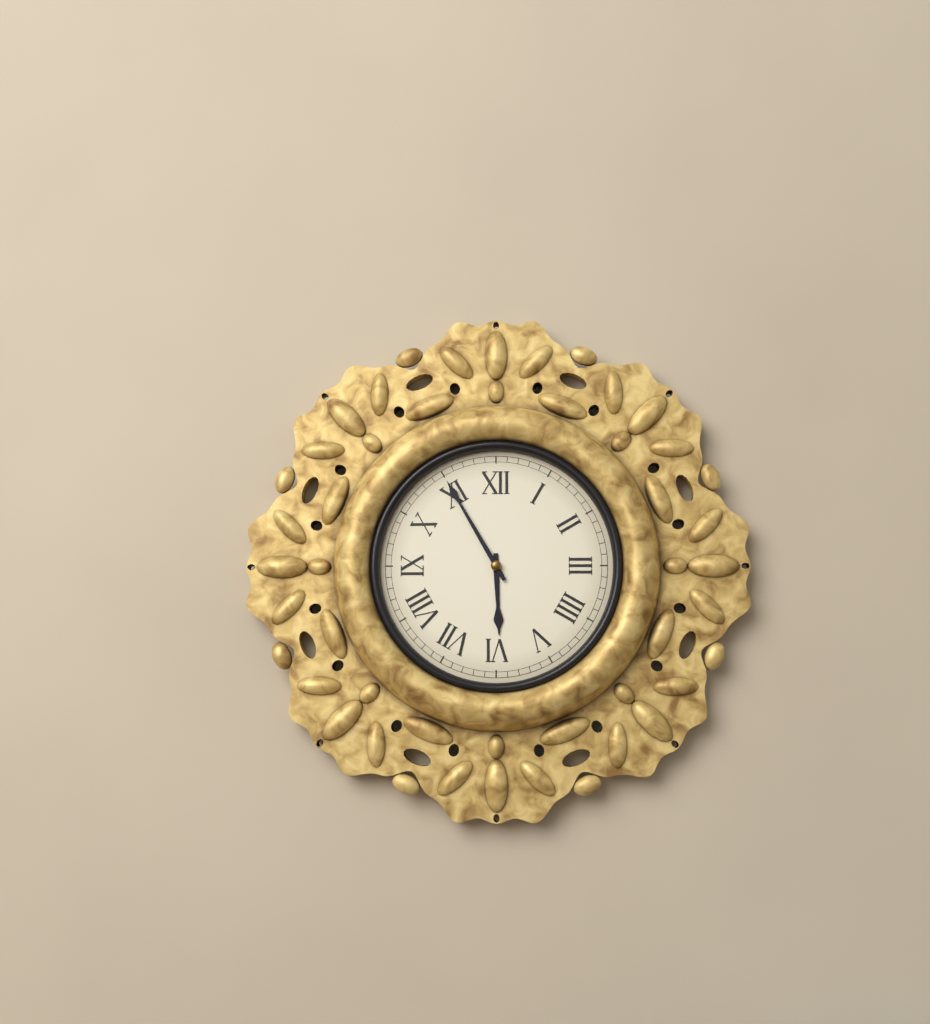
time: **5:55**
